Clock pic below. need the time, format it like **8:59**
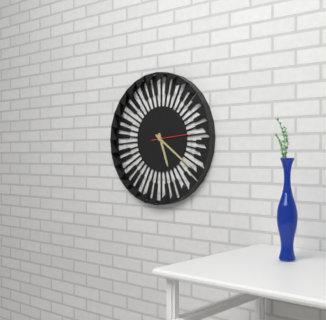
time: **5:21**
